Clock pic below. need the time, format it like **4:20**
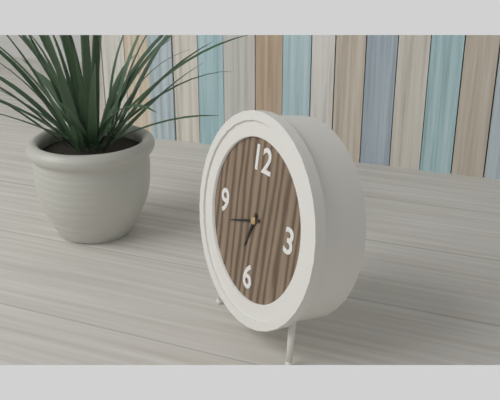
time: **6:42**
